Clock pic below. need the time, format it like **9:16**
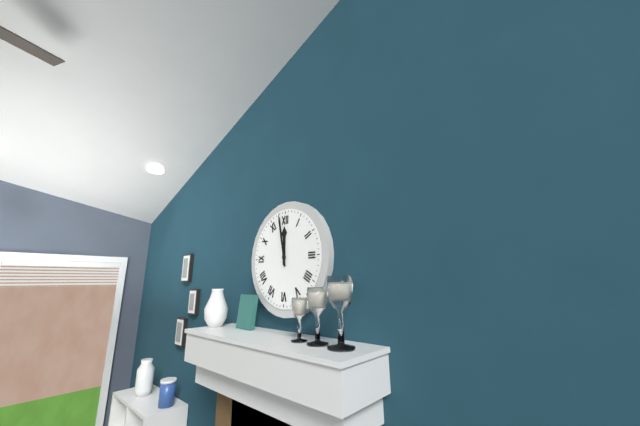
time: **11:58**
